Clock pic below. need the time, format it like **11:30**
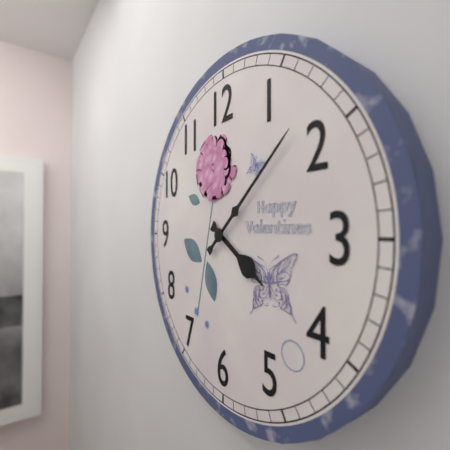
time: **4:08**
